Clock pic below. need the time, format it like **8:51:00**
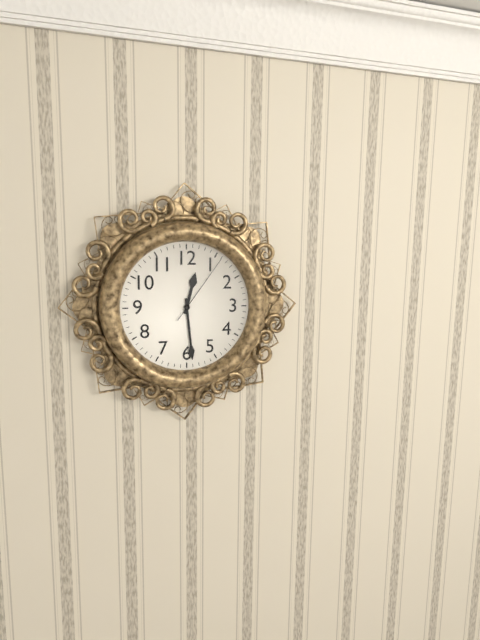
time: **12:29:06**
